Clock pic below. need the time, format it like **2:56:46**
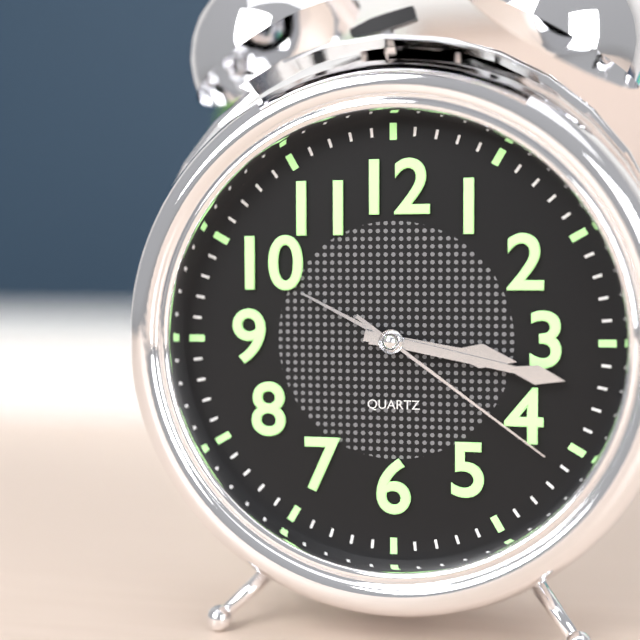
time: **3:17:21**
